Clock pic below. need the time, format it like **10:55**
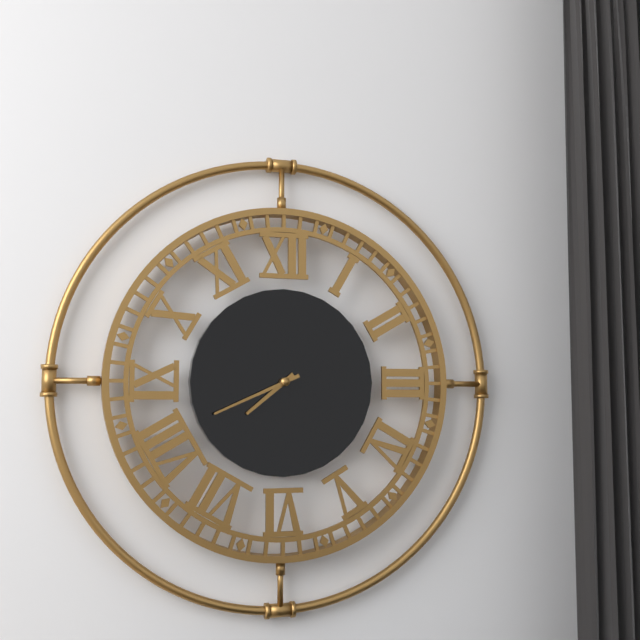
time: **7:41**
